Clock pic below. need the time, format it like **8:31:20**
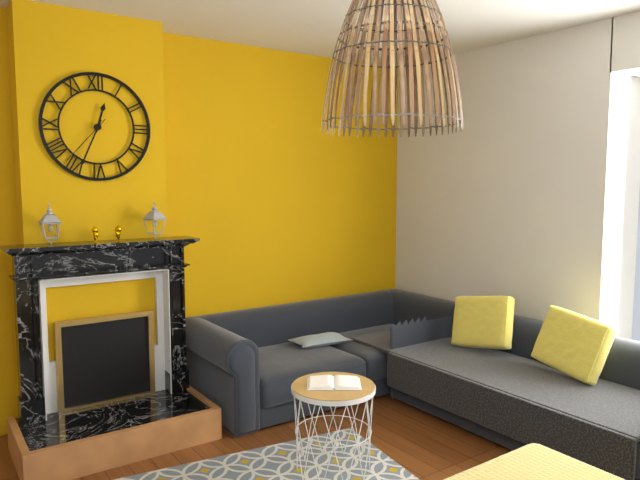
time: **12:34:37**
